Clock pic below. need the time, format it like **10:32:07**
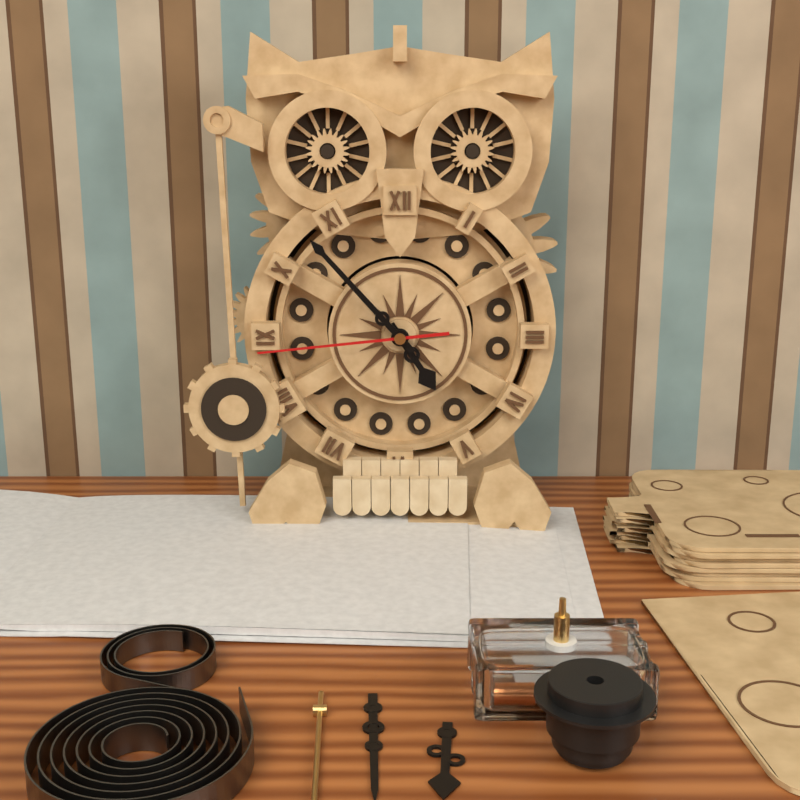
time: **4:53:44**
